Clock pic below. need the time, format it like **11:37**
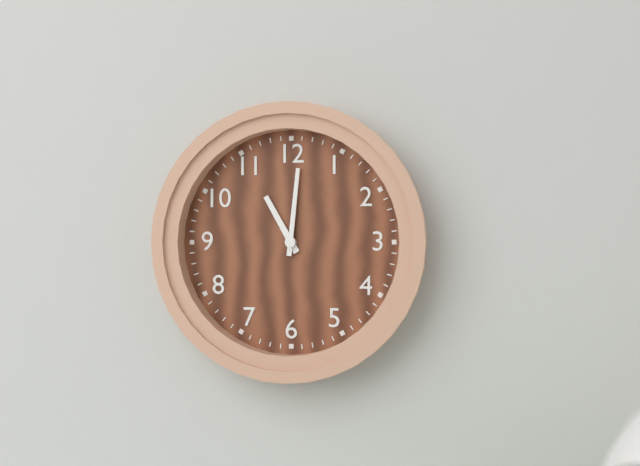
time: **11:01**
